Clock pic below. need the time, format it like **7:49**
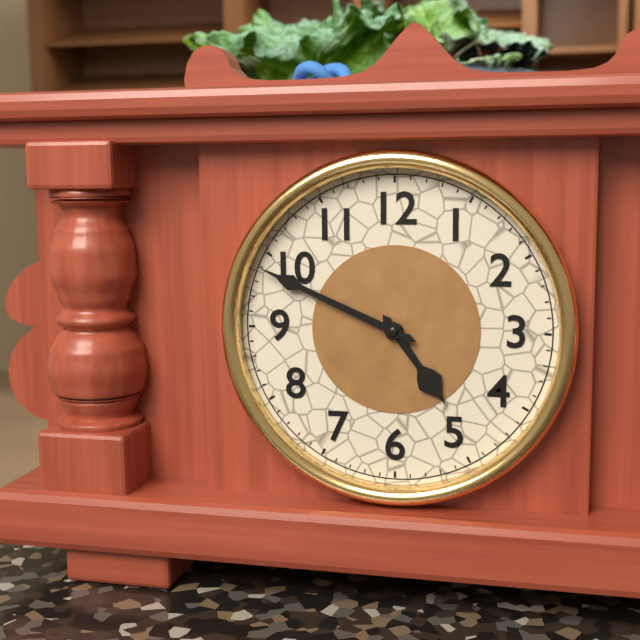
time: **4:49**
